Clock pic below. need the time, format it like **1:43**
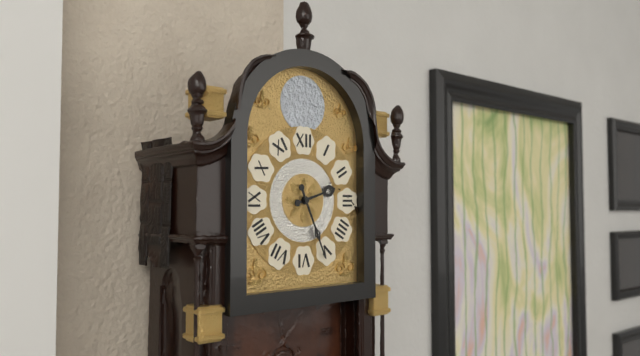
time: **2:26**
